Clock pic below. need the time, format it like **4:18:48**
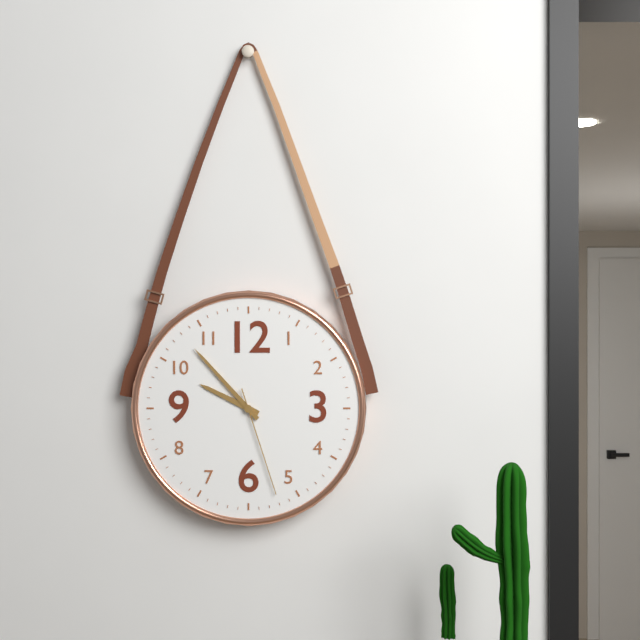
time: **9:53:27**
